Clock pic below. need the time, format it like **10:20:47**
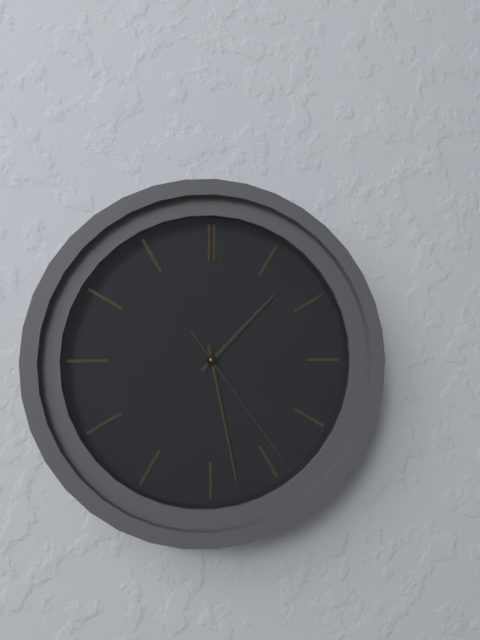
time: **1:28:24**
